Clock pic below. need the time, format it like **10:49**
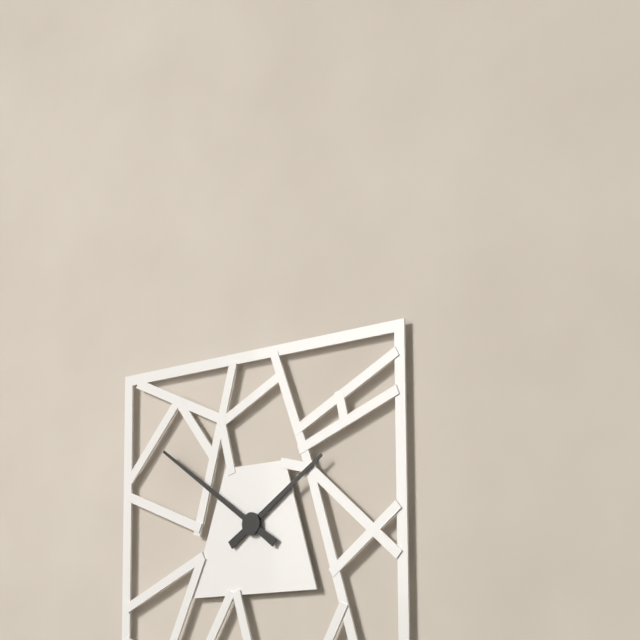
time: **1:51**
